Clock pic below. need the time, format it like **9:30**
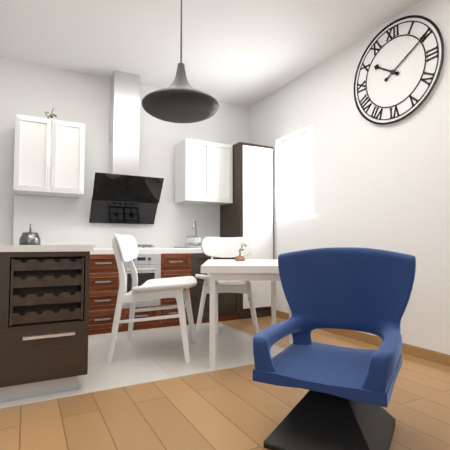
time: **10:10**
